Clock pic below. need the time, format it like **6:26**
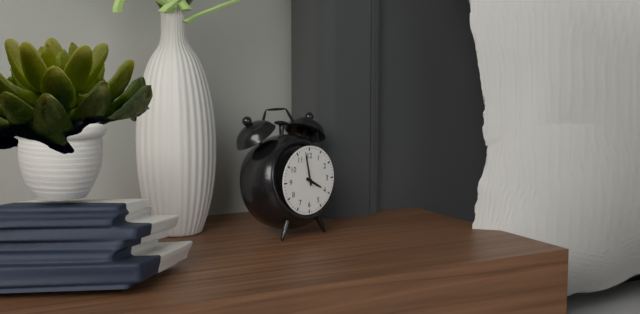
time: **3:58**
